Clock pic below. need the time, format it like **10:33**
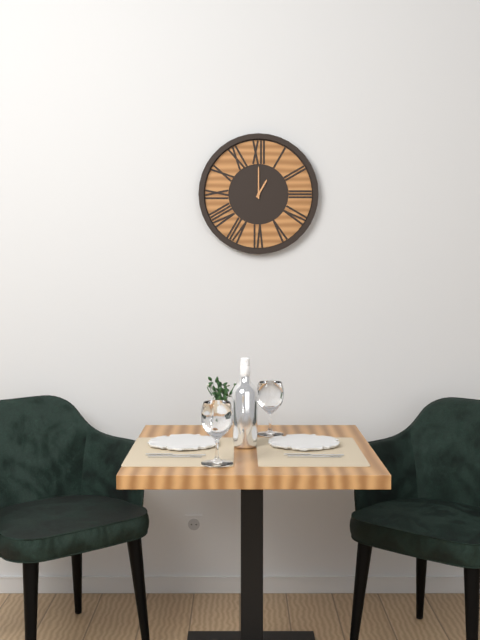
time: **1:00**
